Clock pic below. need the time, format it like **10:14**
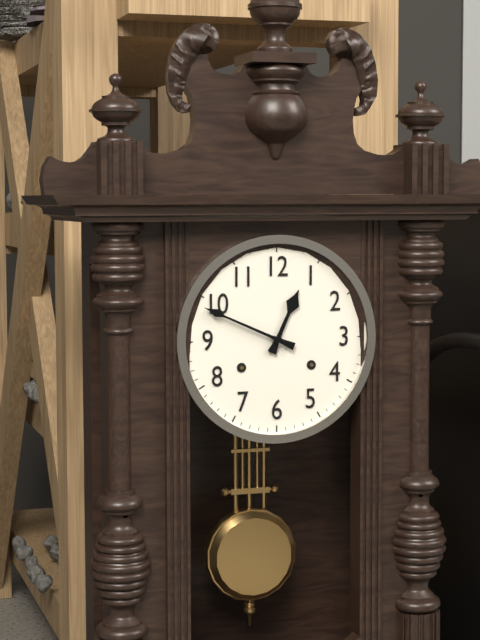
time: **12:49**
